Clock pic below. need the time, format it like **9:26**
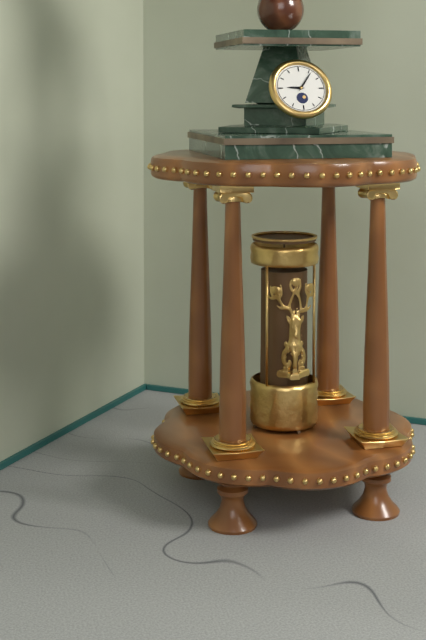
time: **9:06**
